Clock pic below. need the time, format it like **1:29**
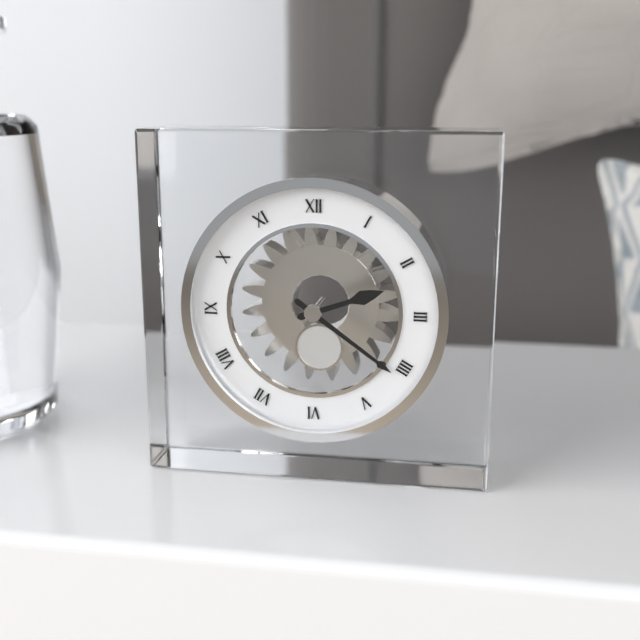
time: **2:21**
